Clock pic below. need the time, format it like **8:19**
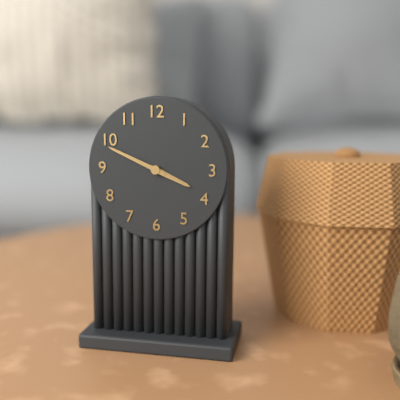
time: **3:49**
